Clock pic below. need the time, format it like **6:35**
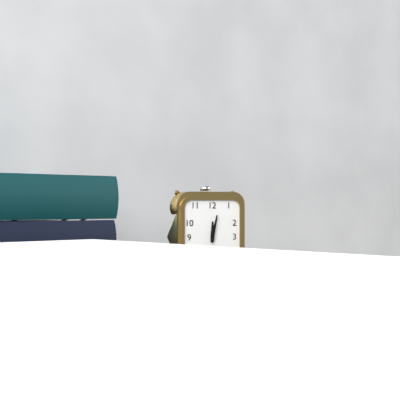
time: **12:02**
